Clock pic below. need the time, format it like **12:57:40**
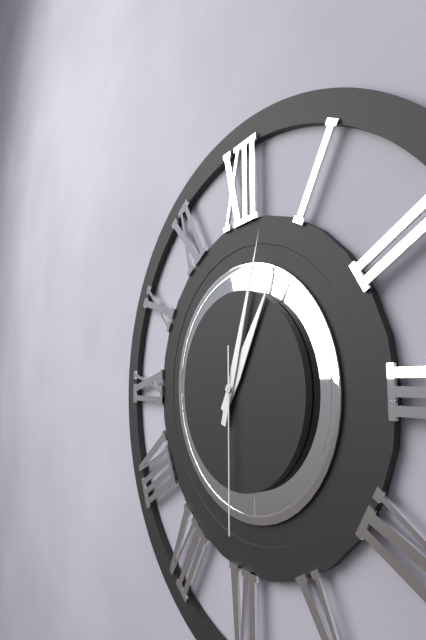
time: **1:03:30**
